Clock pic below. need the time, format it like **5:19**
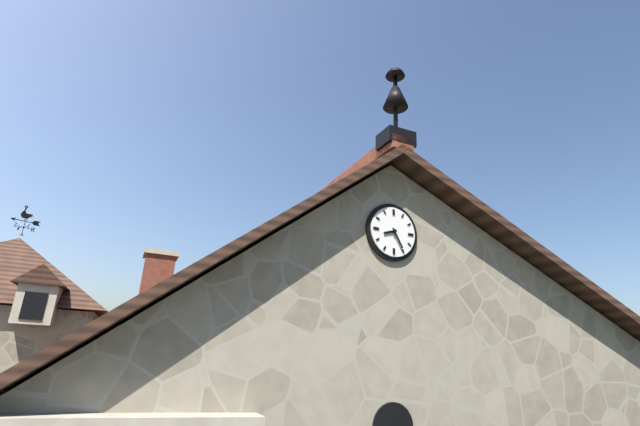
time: **8:25**
